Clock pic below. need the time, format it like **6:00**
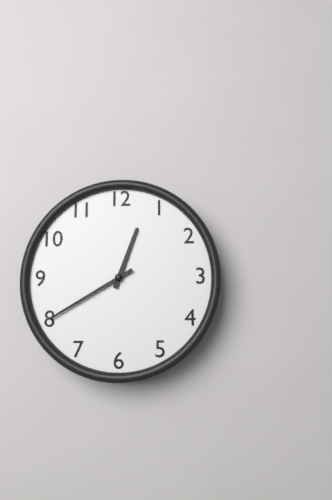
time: **12:40**
